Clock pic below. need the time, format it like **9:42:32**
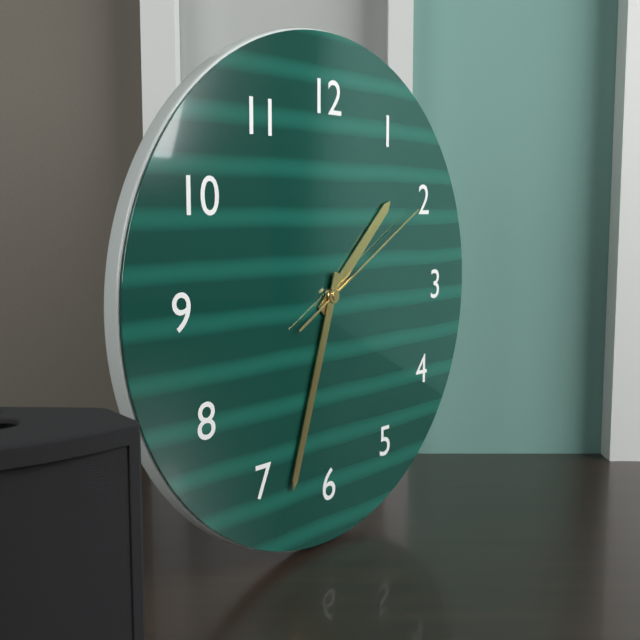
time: **1:33:10**
